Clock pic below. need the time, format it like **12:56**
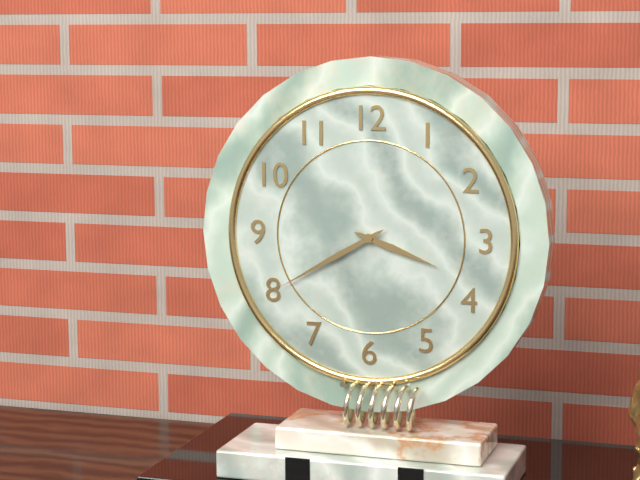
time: **3:40**
